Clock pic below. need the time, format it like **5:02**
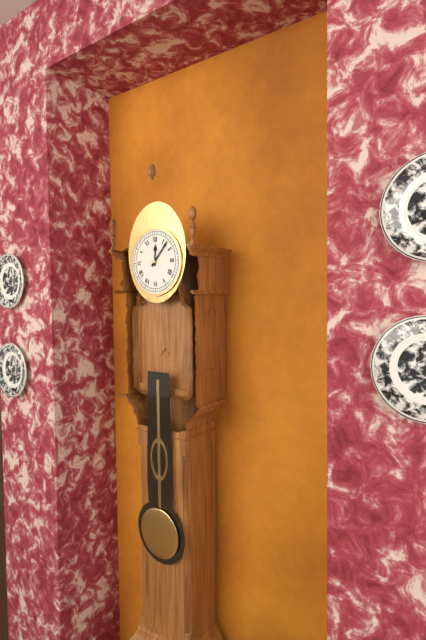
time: **12:07**
